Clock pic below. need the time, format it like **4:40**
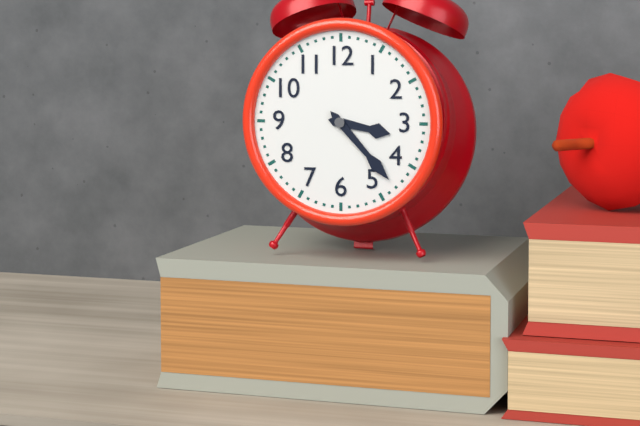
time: **3:23**
